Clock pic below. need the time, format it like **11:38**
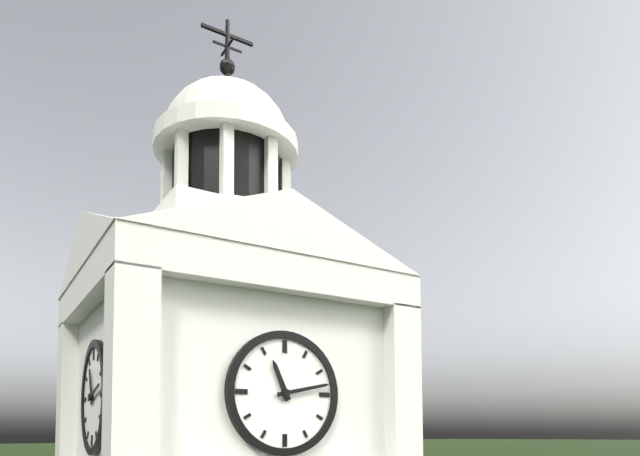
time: **11:13**
